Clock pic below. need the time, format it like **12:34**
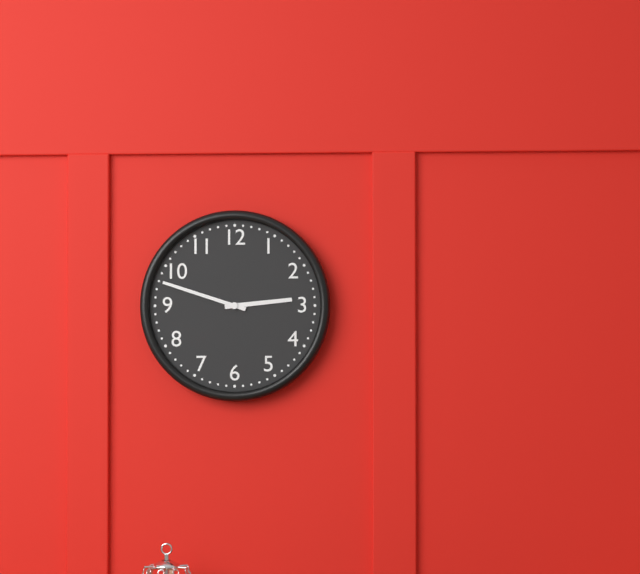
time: **2:48**
